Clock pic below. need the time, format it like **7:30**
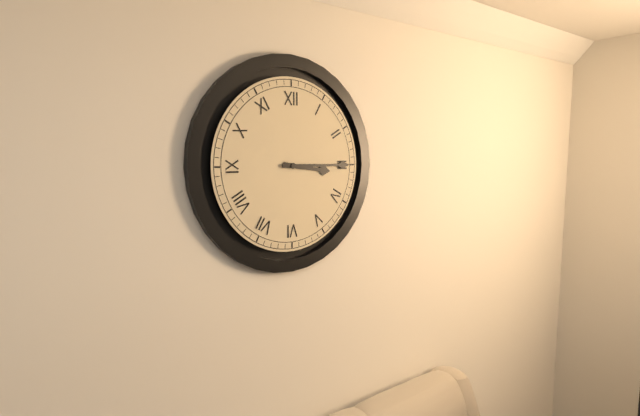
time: **3:15**
